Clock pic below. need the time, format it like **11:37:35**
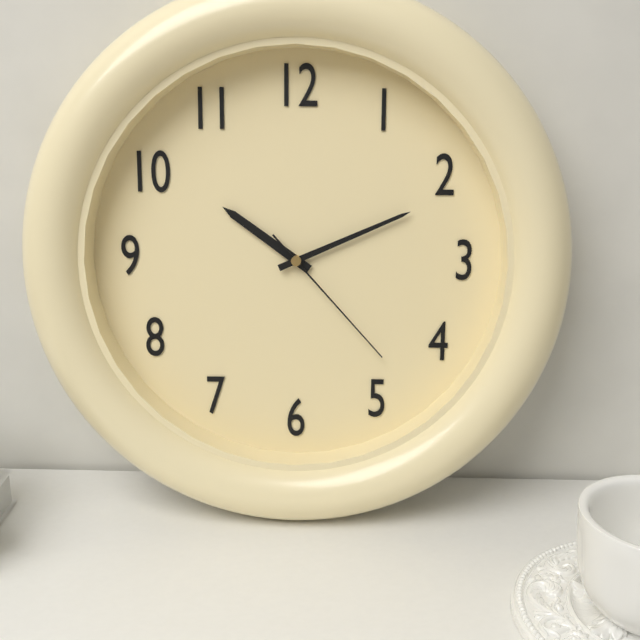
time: **10:11:23**
